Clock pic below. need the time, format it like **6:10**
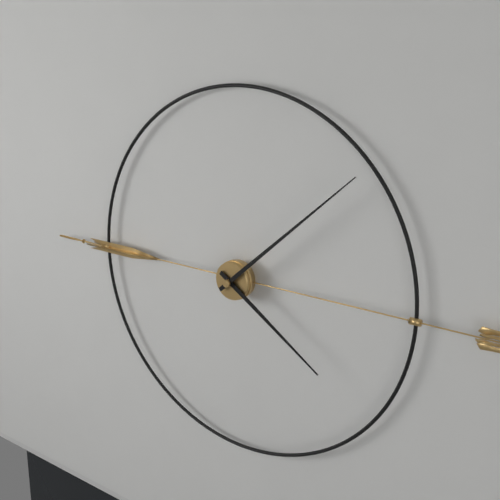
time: **4:08**
